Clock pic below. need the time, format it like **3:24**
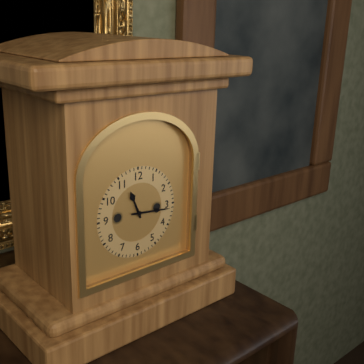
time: **11:16**
